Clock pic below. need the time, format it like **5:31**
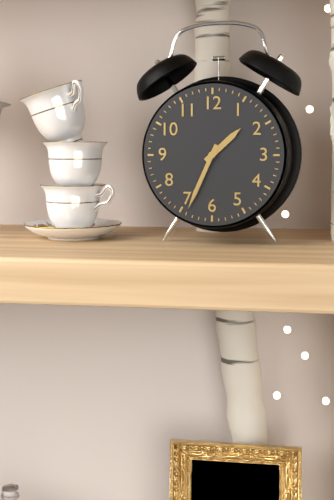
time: **1:34**
